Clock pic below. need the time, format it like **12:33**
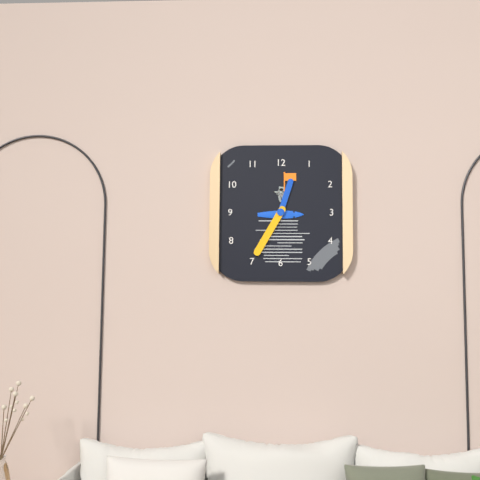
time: **12:35**
